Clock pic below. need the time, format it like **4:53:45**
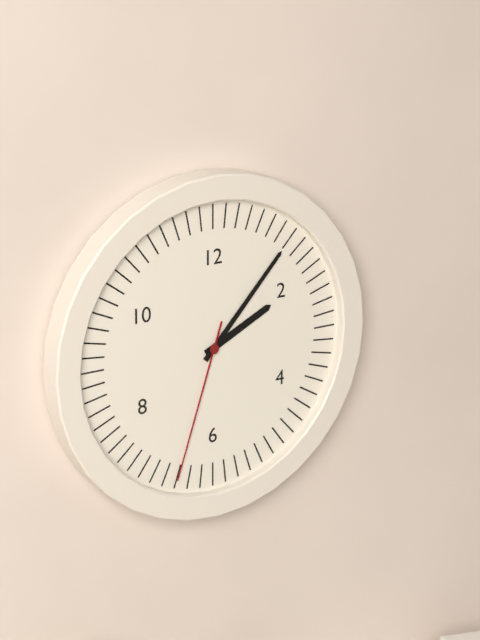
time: **2:07:33**
